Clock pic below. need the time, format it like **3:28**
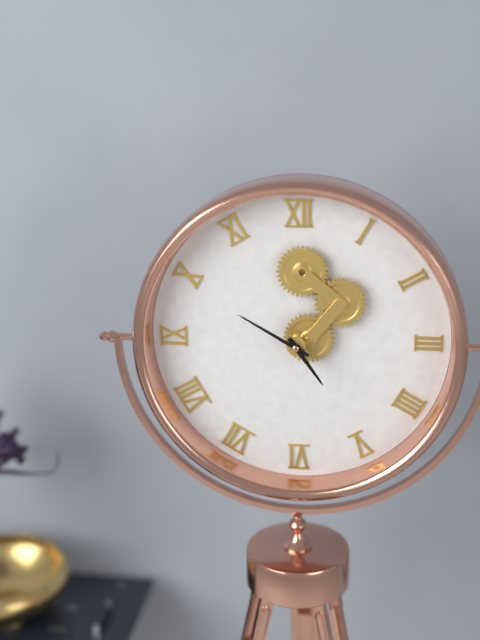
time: **4:50**
